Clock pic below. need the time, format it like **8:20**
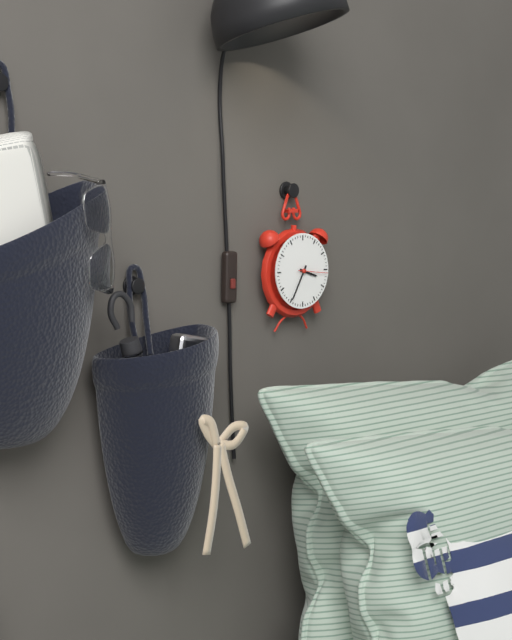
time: **3:35**
